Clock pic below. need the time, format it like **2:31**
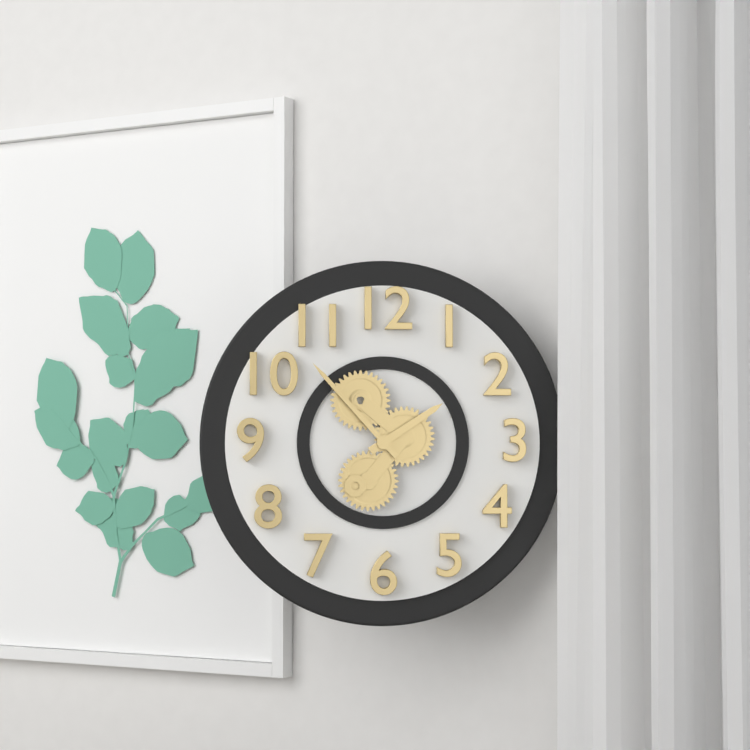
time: **1:53**
